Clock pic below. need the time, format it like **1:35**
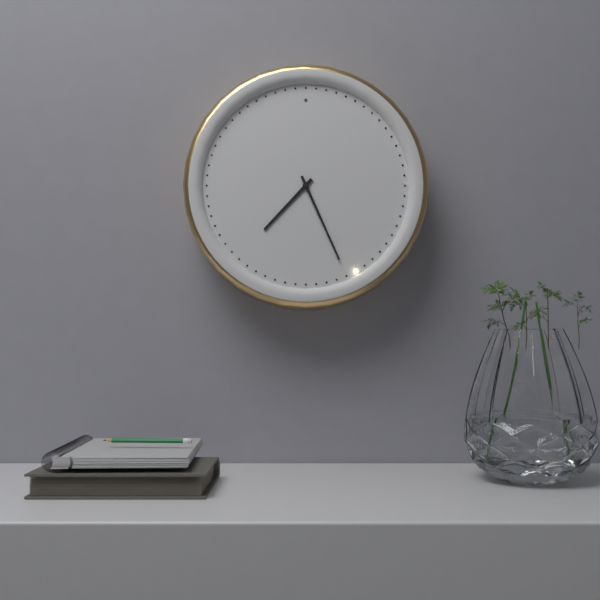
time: **7:26**
